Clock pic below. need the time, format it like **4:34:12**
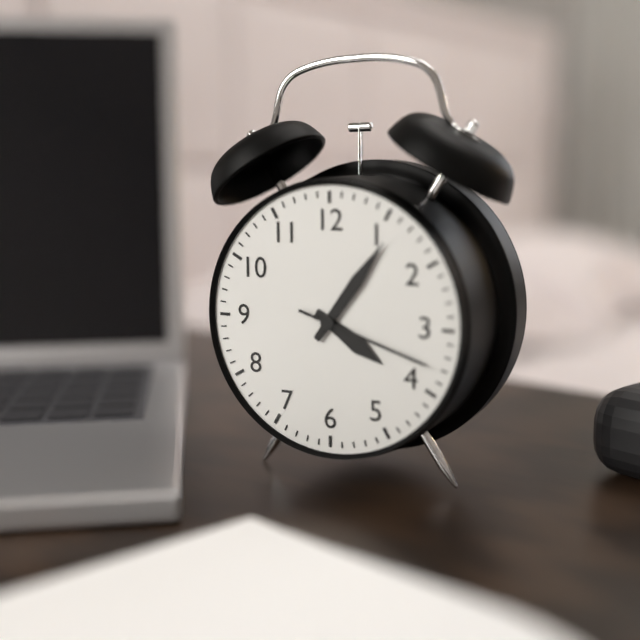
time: **4:06:18**
